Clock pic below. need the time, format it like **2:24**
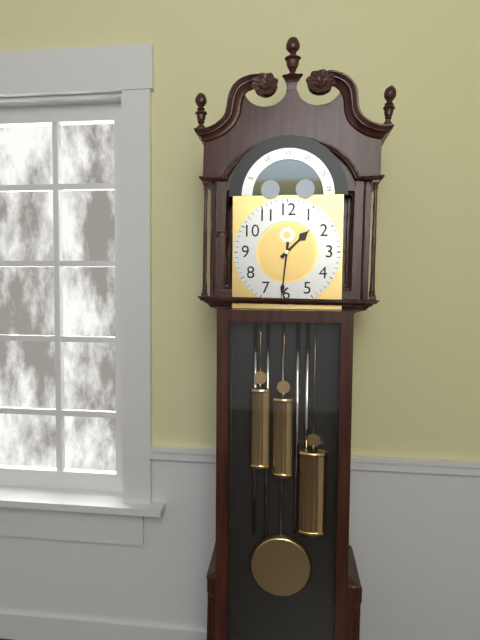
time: **1:31**
